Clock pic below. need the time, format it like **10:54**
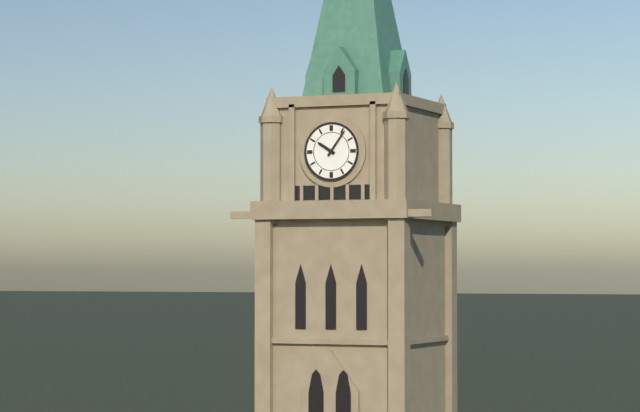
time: **10:06**
